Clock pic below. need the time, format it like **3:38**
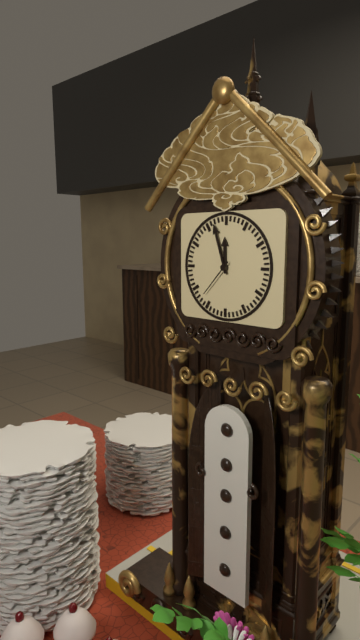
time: **11:57**
